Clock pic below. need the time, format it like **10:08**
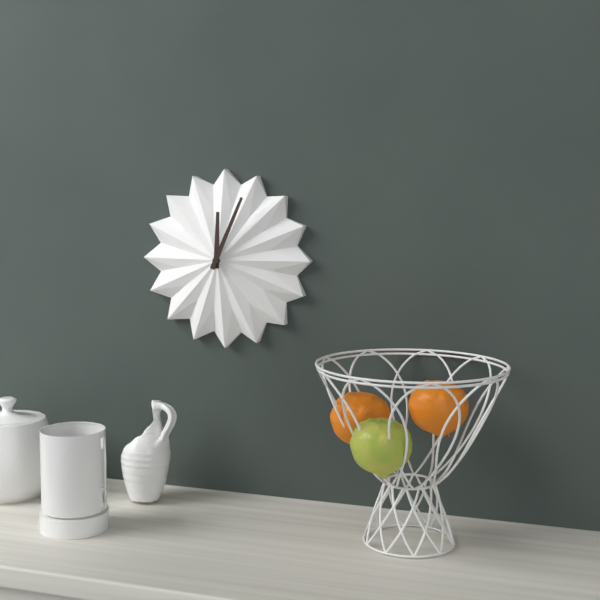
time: **12:04**
